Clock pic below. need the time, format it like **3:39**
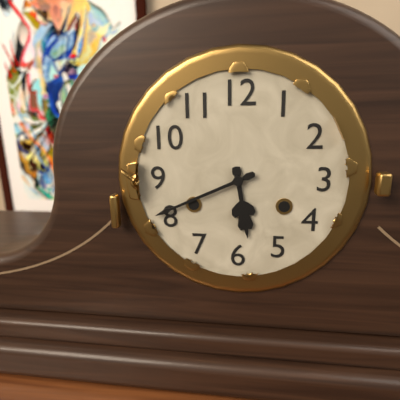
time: **5:41**
